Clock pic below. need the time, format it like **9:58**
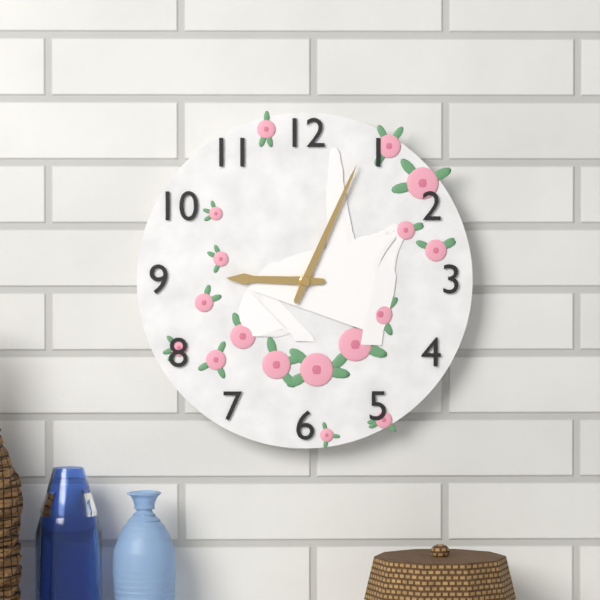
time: **9:04**
